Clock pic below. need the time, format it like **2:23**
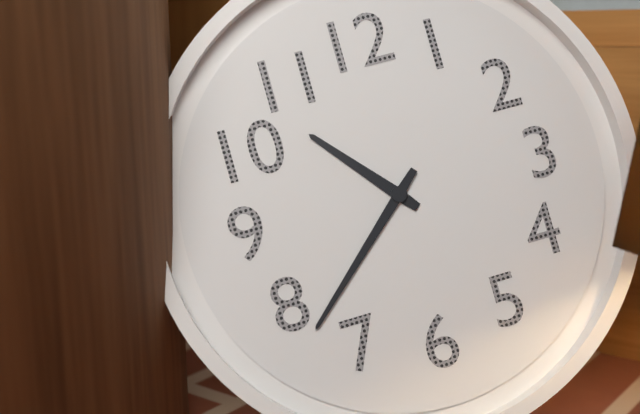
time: **10:38**
